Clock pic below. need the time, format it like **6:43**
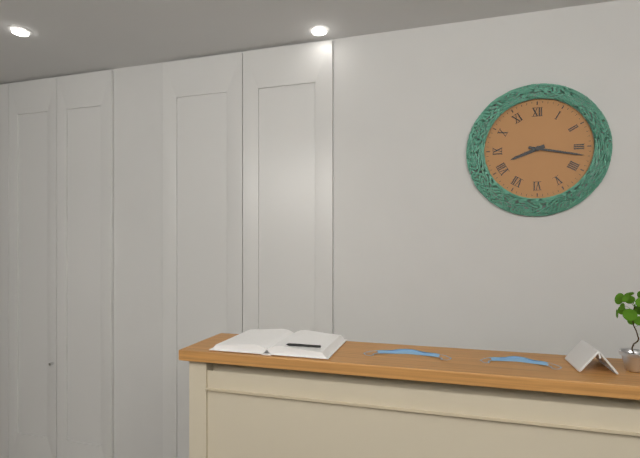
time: **8:17**
